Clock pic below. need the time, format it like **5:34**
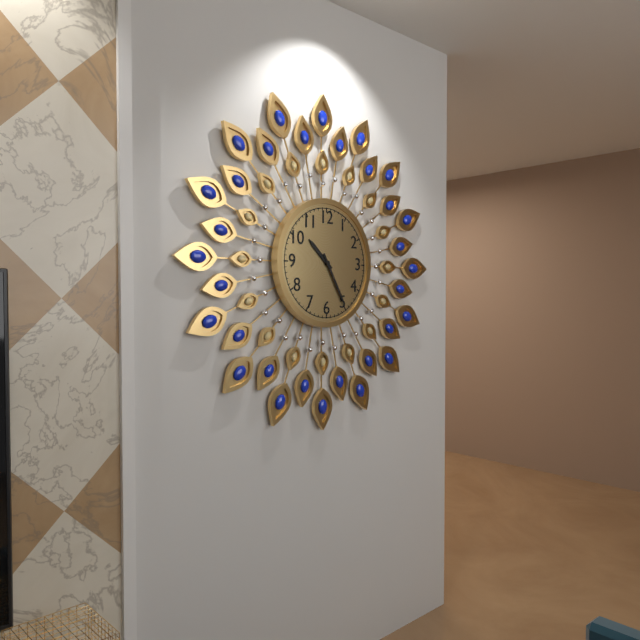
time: **10:25**
